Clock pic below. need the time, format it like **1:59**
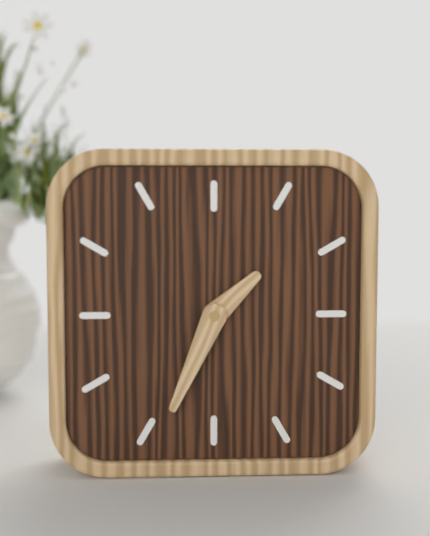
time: **1:34**
